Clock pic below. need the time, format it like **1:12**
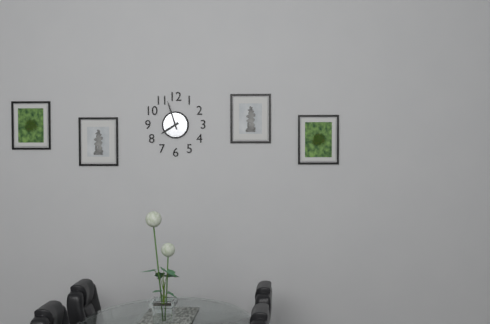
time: **7:57**
